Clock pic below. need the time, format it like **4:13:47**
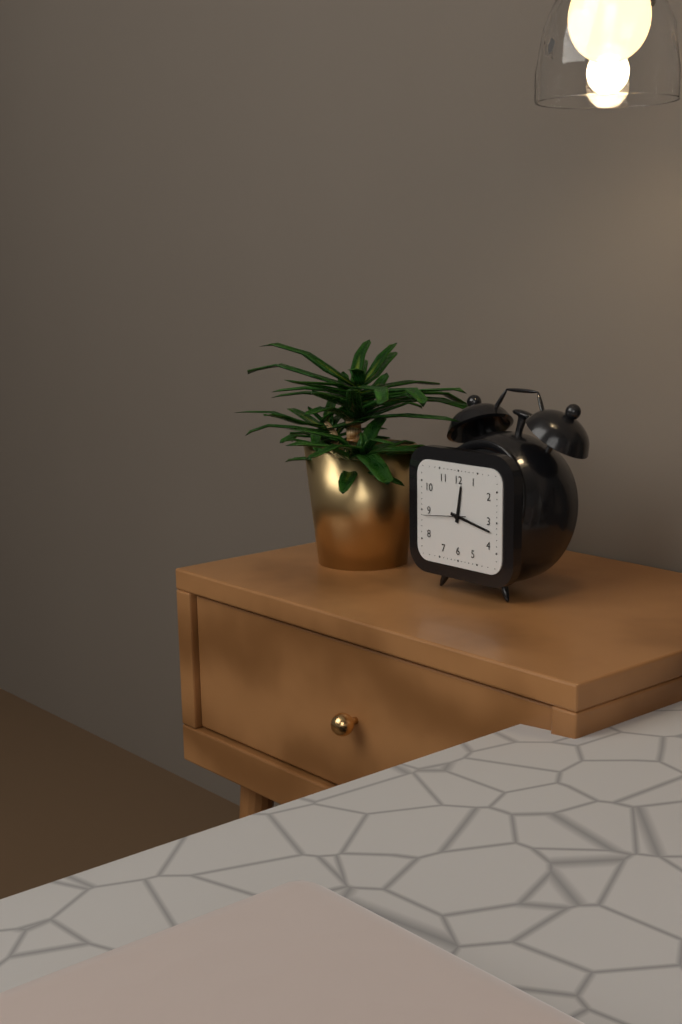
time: **12:17:44**
